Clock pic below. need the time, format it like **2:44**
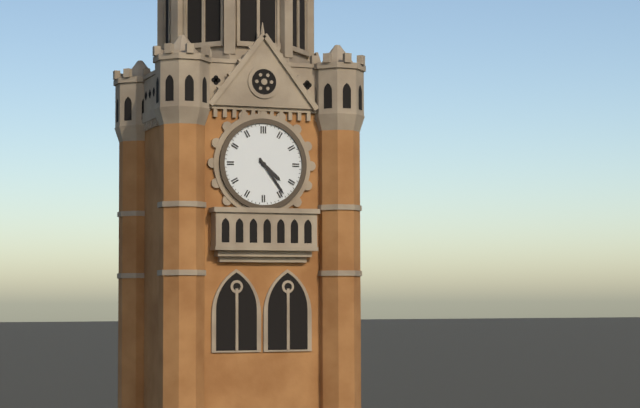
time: **4:24**
